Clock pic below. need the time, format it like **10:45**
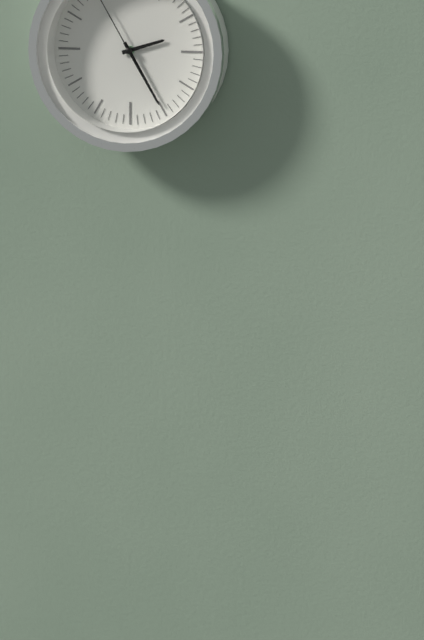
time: **2:25**
